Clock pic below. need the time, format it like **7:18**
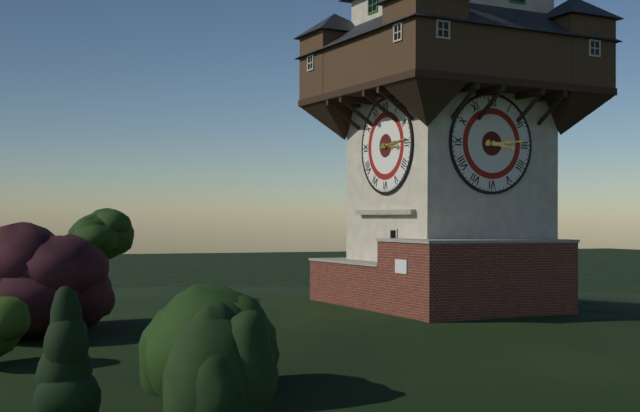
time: **3:14**
